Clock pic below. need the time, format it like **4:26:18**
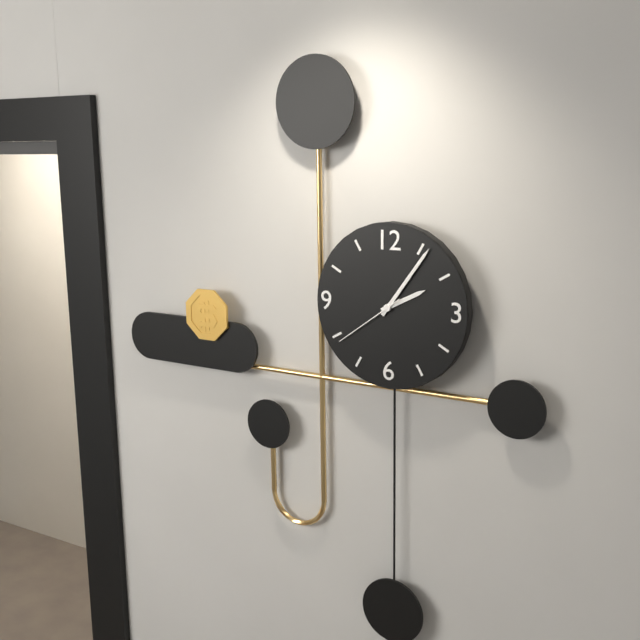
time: **2:06:39**
